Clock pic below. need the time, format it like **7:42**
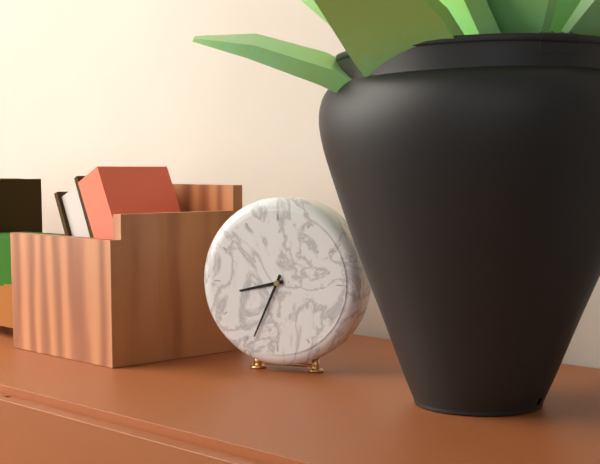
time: **8:34**
